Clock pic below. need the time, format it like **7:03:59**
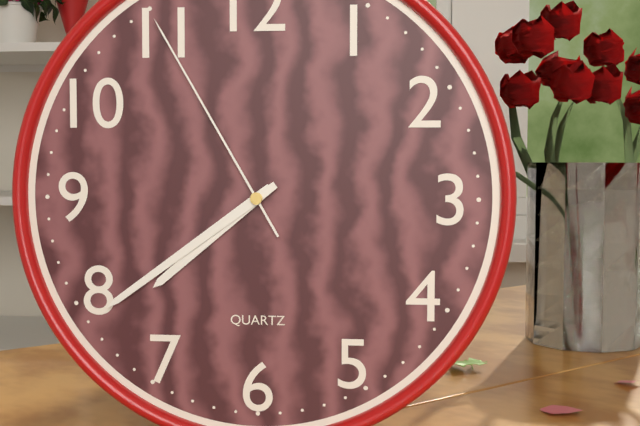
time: **7:39:55**
